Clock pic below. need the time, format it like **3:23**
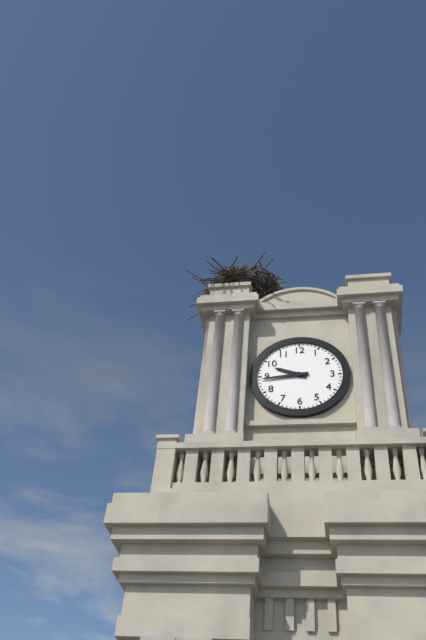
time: **9:44**
